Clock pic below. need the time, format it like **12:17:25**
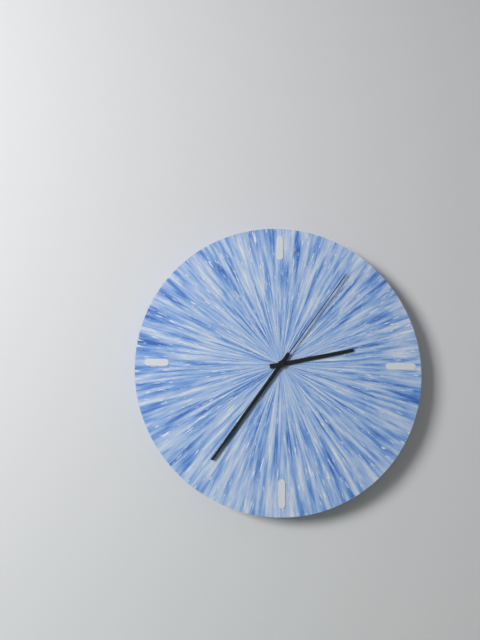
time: **2:36:06**
